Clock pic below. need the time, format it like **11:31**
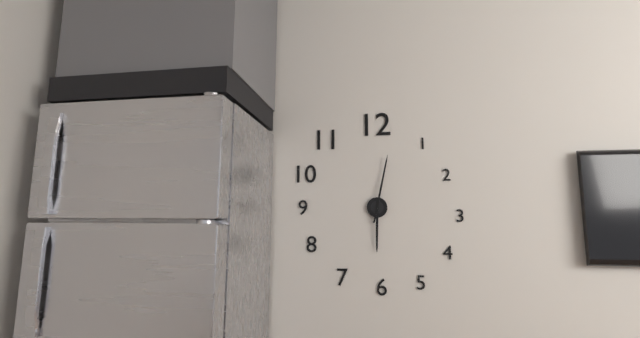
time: **6:02**
